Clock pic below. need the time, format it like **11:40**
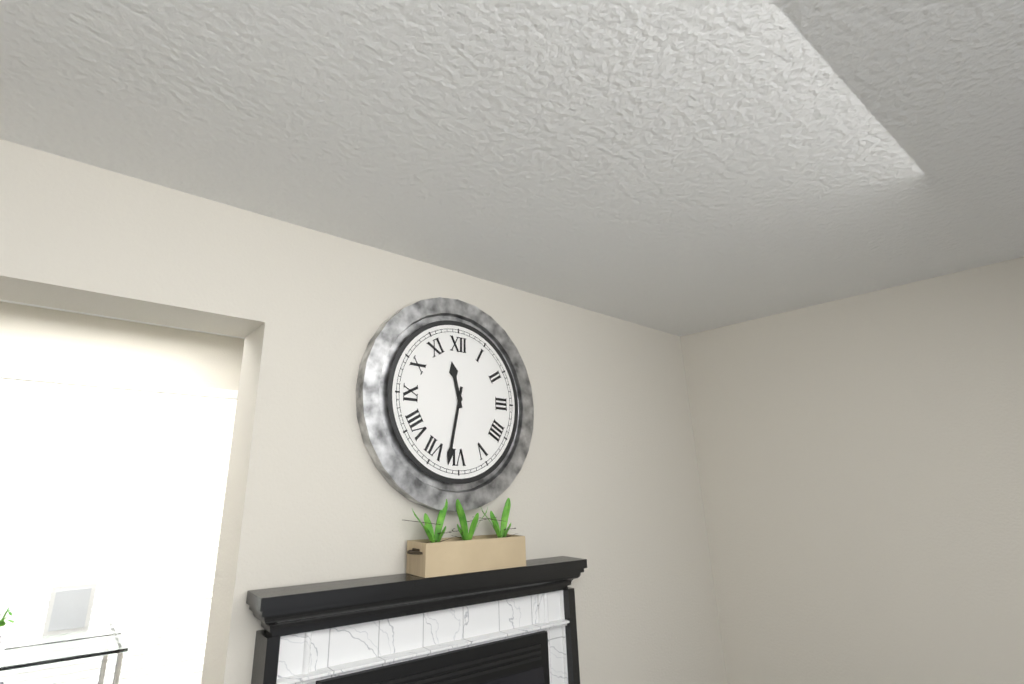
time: **11:32**
